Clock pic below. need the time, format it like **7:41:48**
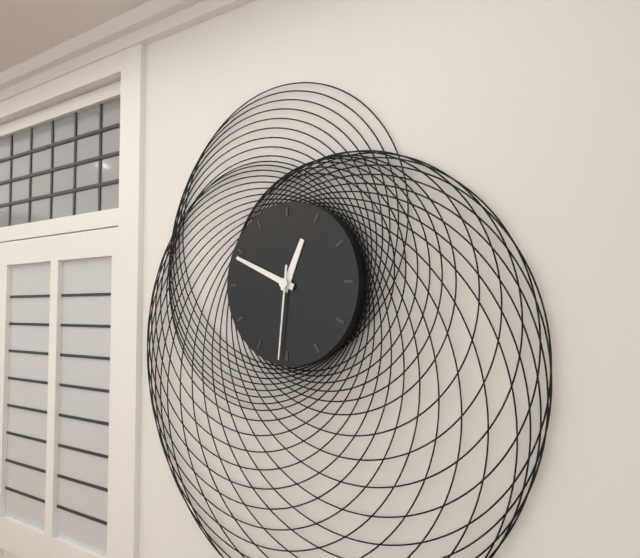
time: **12:49:31**
